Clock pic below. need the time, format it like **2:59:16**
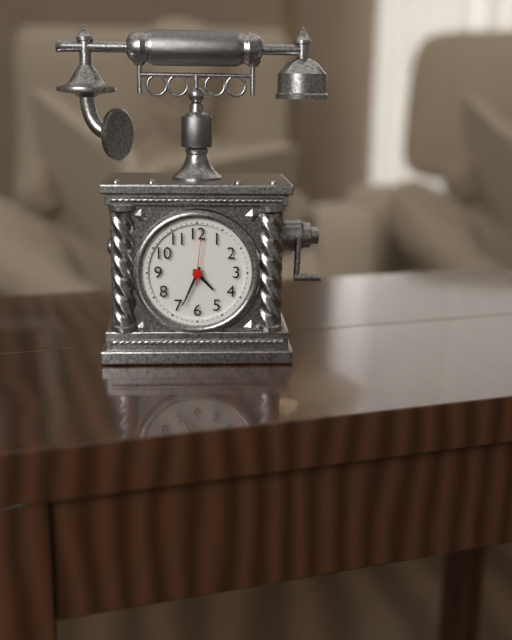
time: **4:34:01**
